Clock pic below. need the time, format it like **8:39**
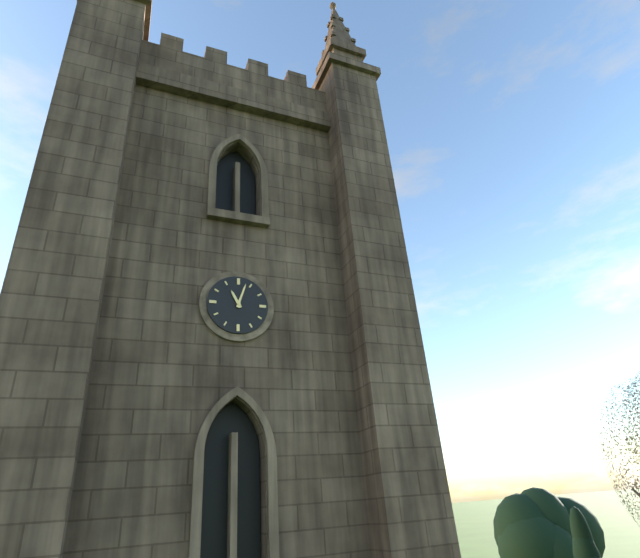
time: **11:03**
